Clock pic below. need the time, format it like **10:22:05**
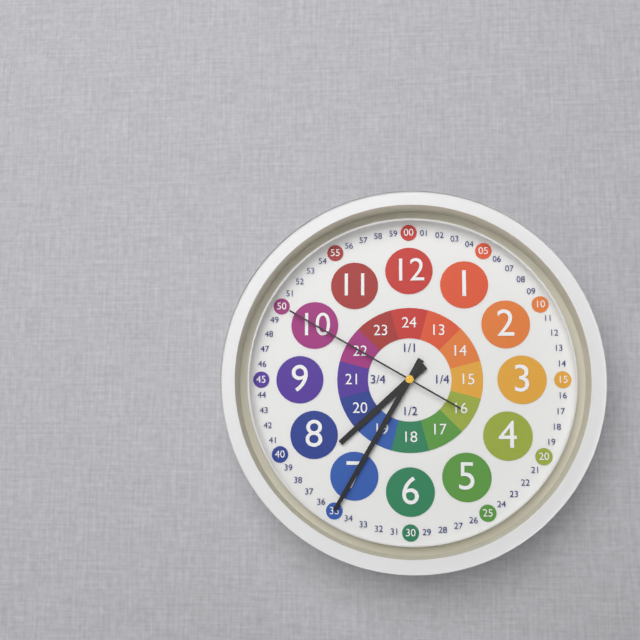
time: **7:35:50**
